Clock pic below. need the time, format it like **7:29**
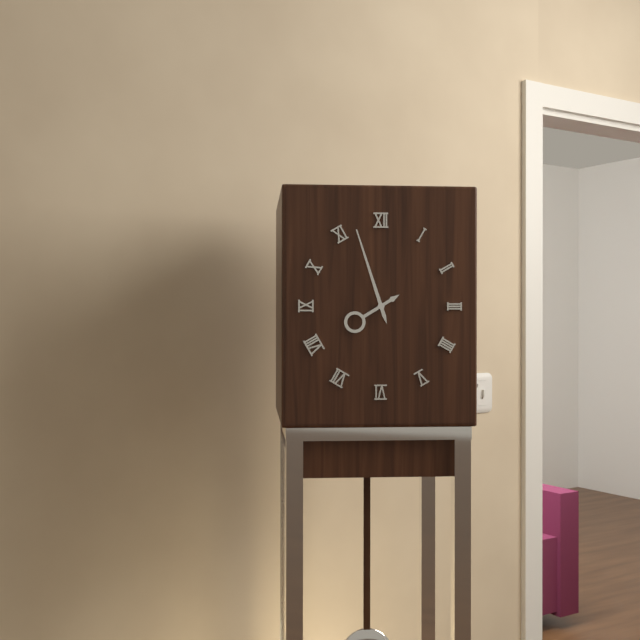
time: **7:57**
